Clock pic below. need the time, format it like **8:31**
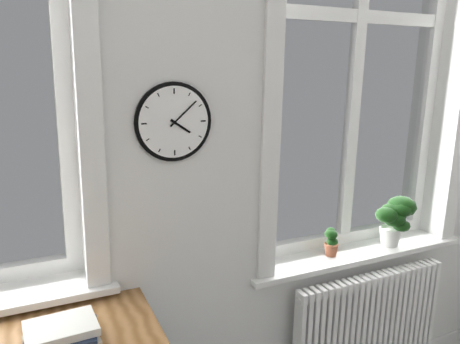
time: **4:08**
